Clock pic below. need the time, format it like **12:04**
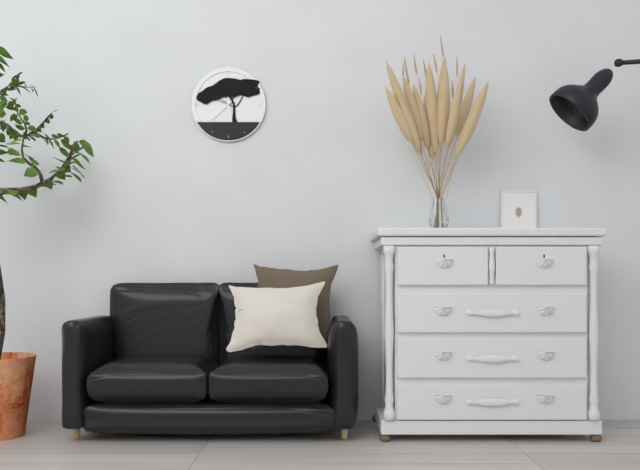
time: **5:38**
